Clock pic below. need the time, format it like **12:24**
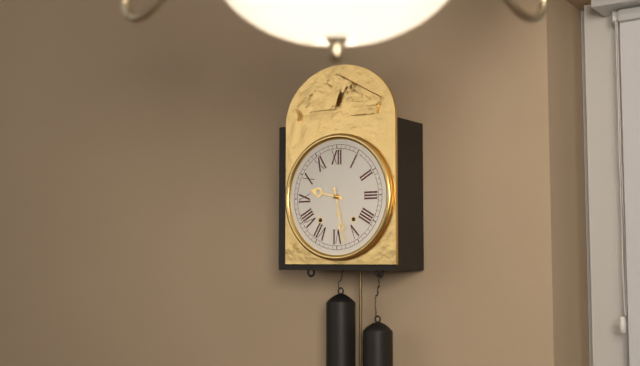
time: **9:28**
